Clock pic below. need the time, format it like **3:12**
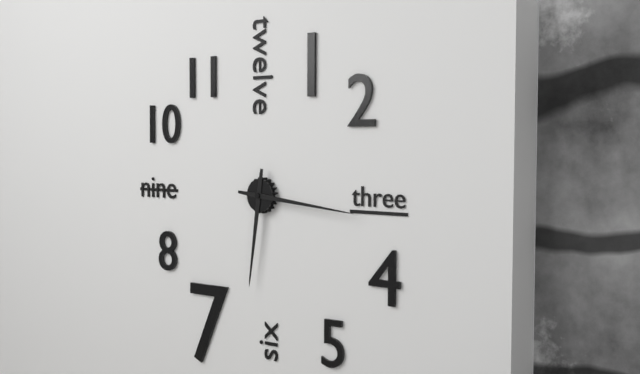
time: **6:16**
